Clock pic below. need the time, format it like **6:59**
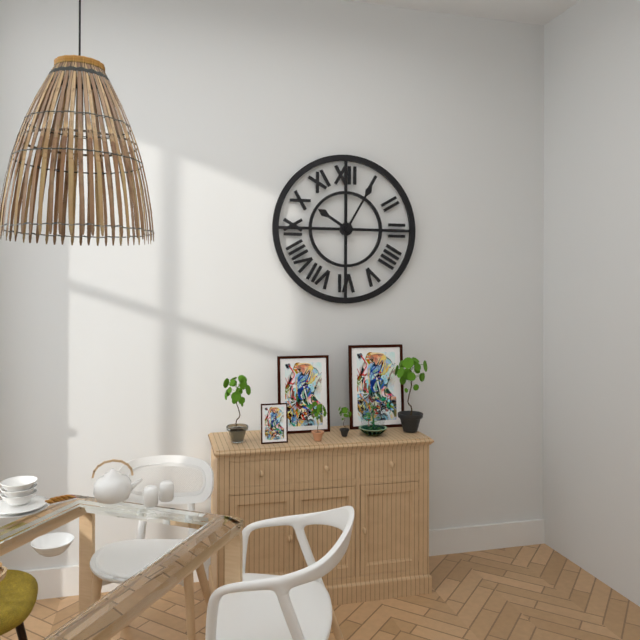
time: **10:05**
